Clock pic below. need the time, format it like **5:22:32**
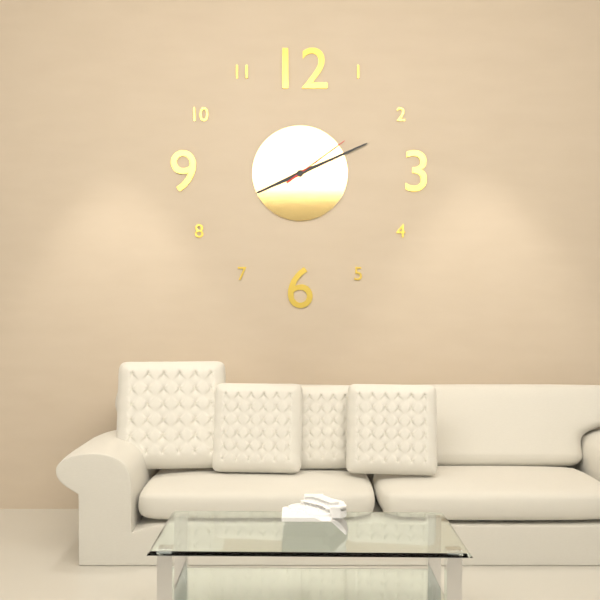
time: **8:11:09**
